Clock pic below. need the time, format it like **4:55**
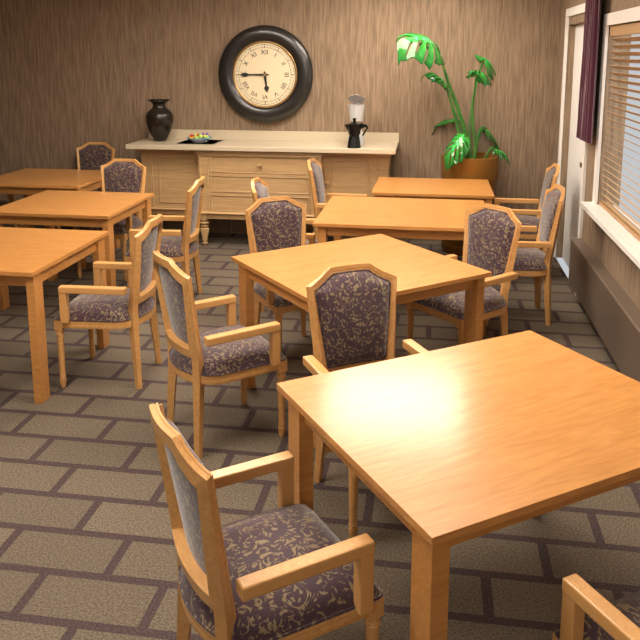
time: **5:45**
